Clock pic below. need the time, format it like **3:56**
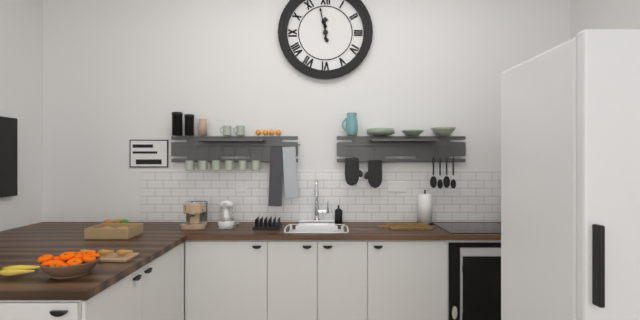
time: **11:58**
